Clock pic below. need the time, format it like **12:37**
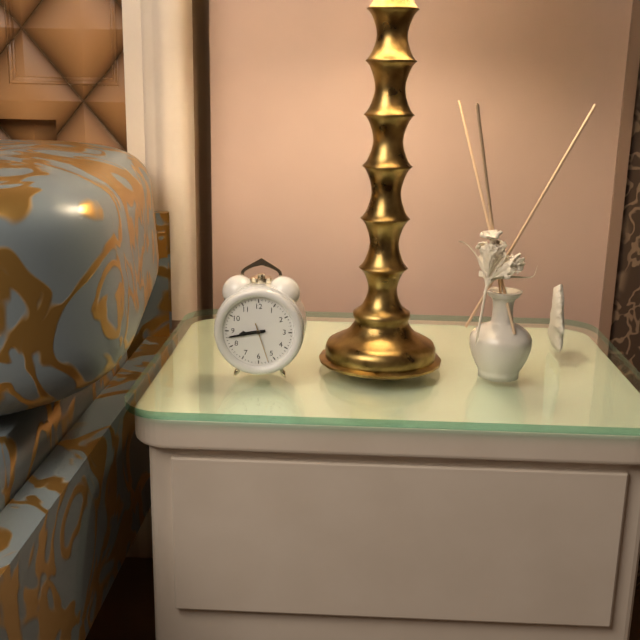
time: **8:43**
